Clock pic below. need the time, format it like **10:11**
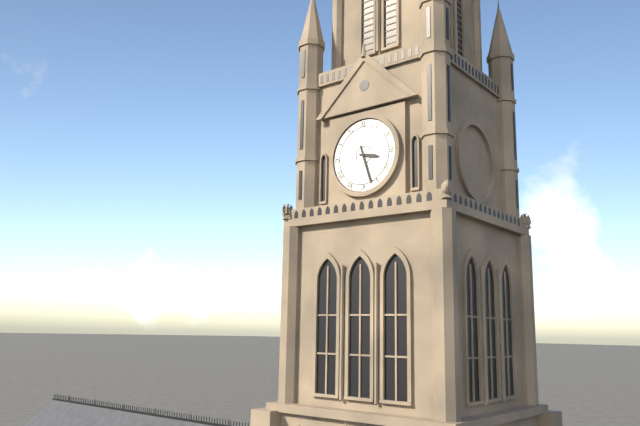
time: **3:27**
